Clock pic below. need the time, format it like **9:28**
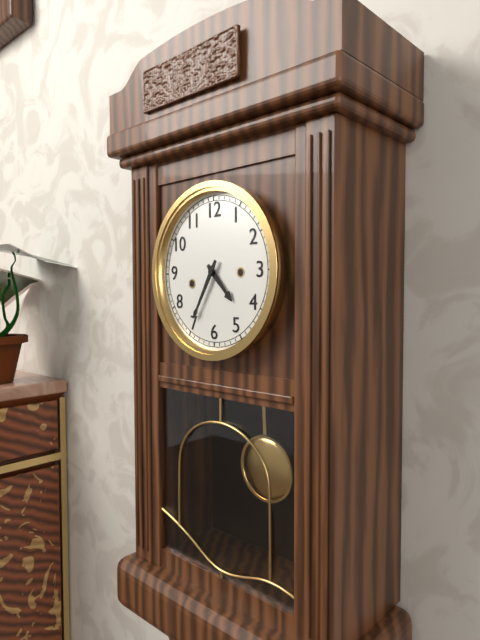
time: **4:35**
